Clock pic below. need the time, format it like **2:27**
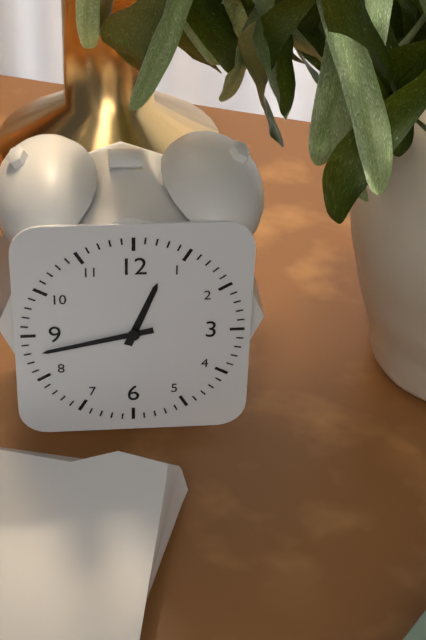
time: **12:43**
